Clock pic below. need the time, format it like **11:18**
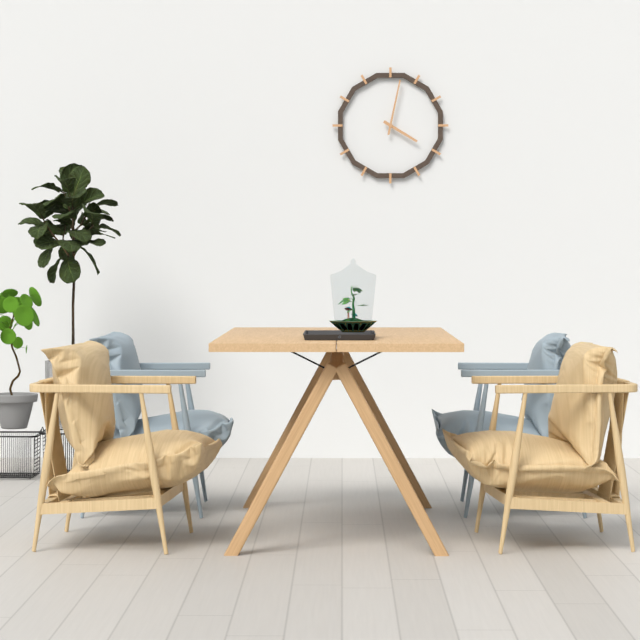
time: **4:02**
